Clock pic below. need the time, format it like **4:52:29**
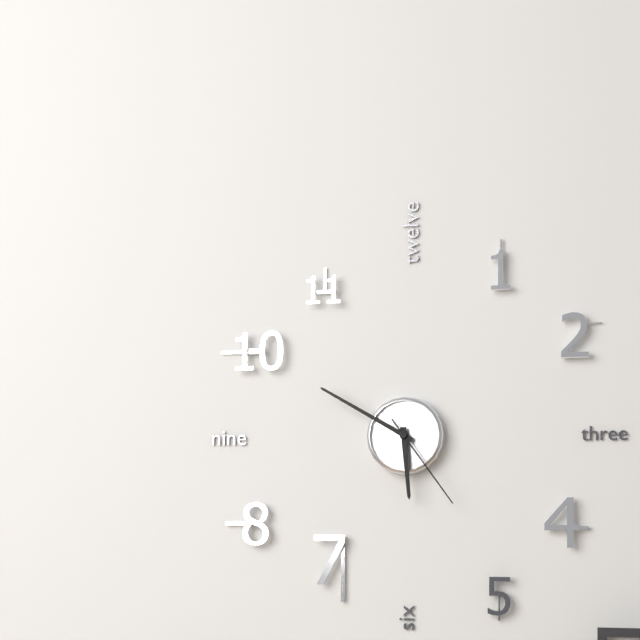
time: **5:50:24**
